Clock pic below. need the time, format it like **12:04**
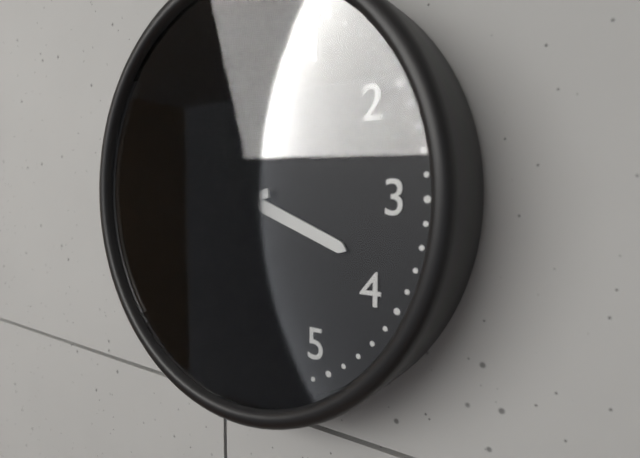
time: **3:43**
